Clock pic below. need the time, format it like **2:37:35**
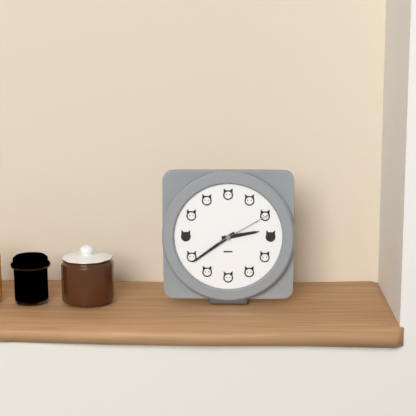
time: **2:39:10**
